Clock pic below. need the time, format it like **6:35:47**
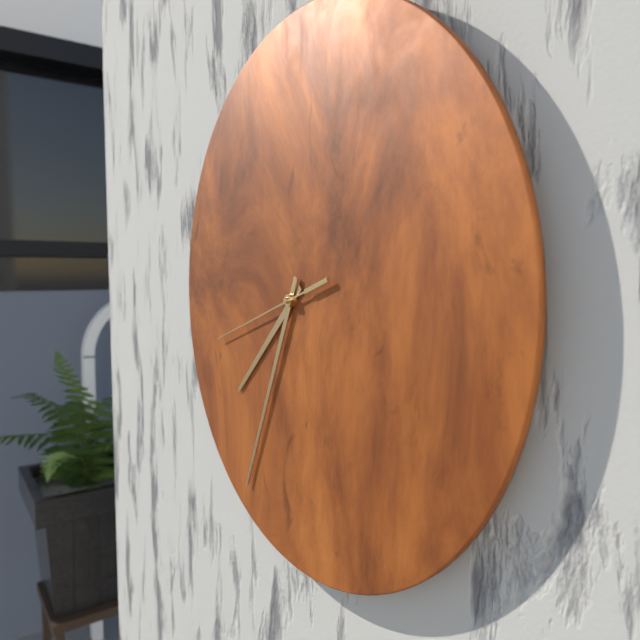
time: **7:34:42**
